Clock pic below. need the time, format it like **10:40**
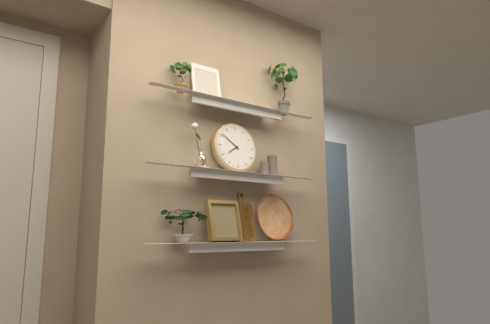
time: **7:51**
